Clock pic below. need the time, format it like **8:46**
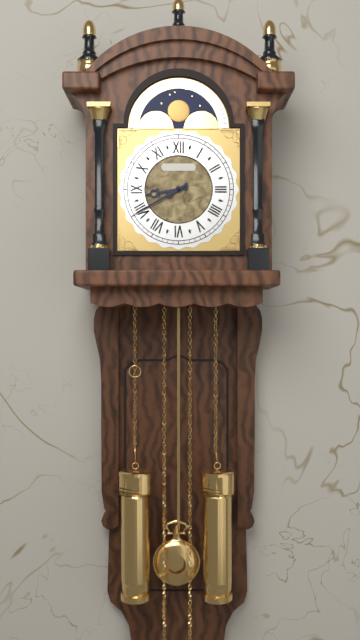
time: **8:40**
